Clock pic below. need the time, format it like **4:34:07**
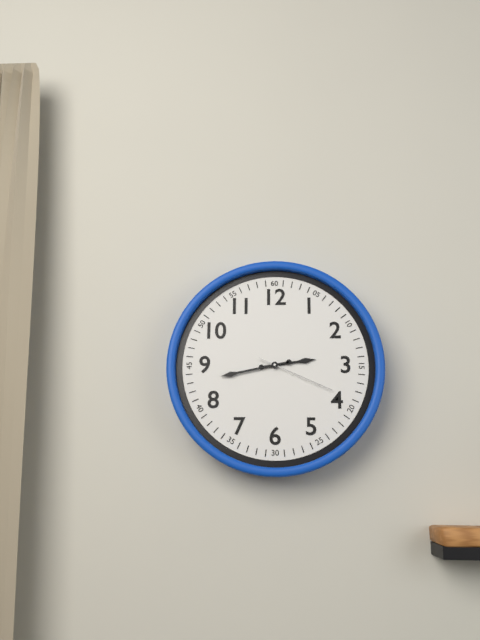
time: **2:43:19**
